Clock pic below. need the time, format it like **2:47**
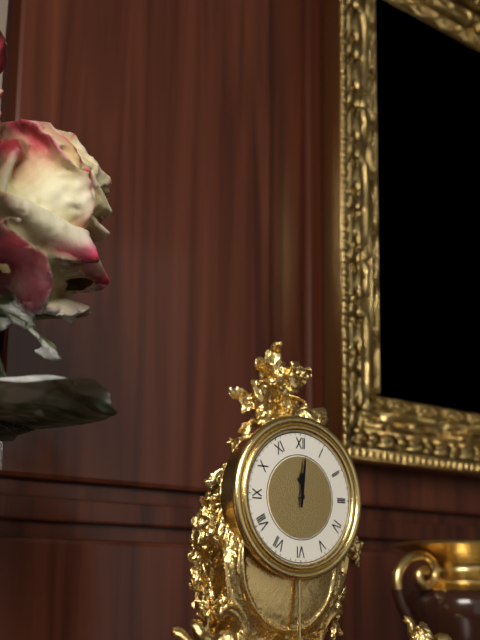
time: **12:01**
